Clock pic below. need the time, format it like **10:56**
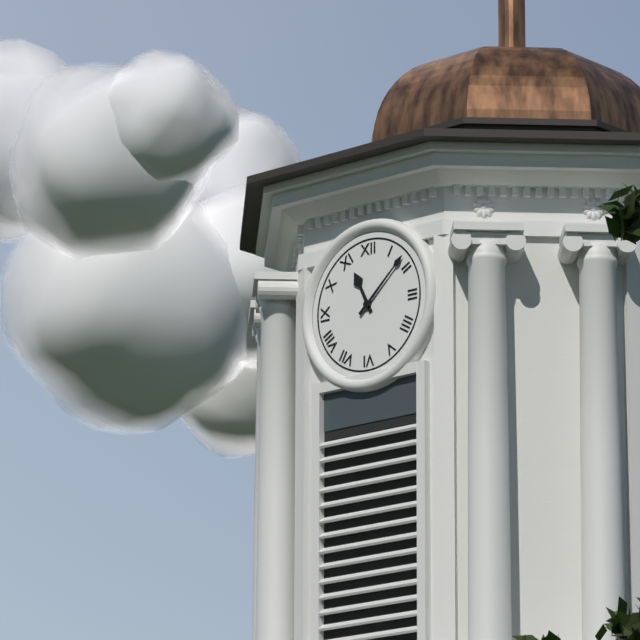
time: **11:08**
